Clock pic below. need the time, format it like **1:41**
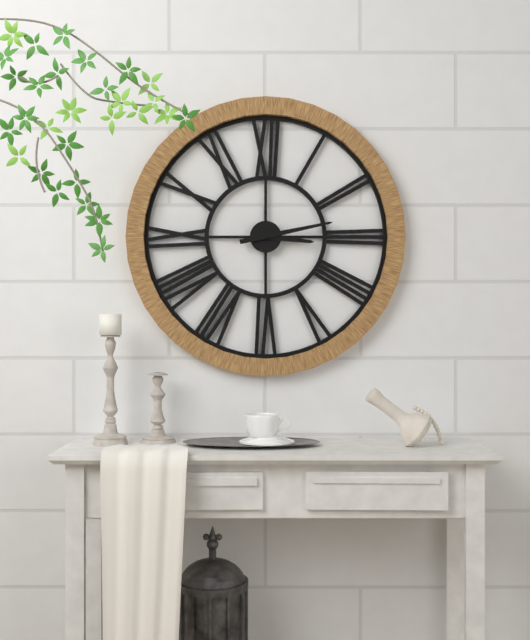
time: **3:13**
